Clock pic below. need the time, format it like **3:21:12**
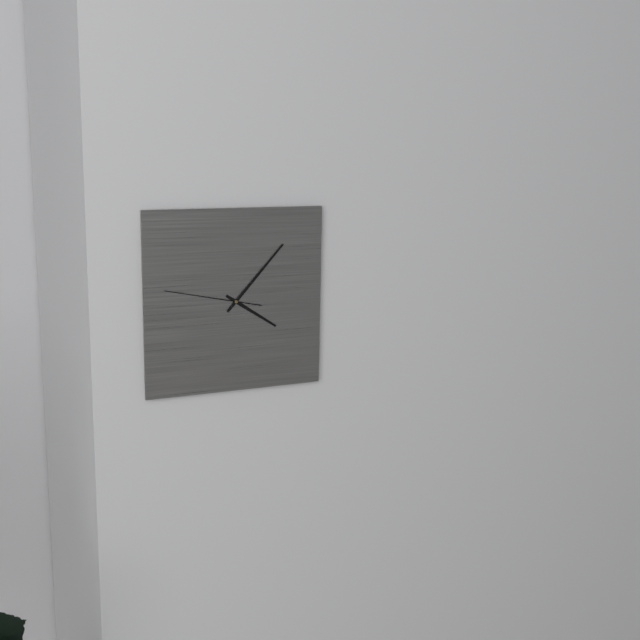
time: **4:07:47**
